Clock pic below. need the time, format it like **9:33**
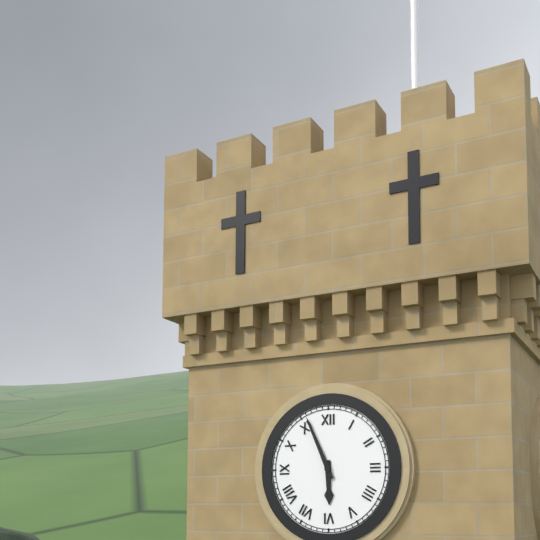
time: **5:56**
